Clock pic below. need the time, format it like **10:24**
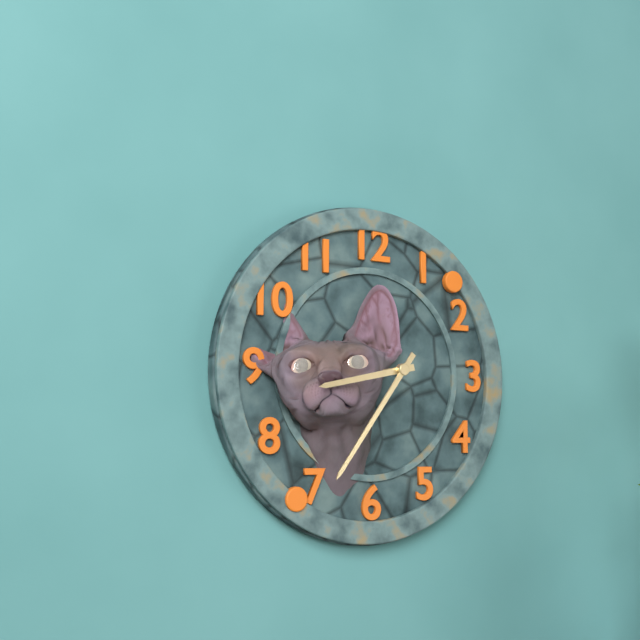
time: **8:36**
